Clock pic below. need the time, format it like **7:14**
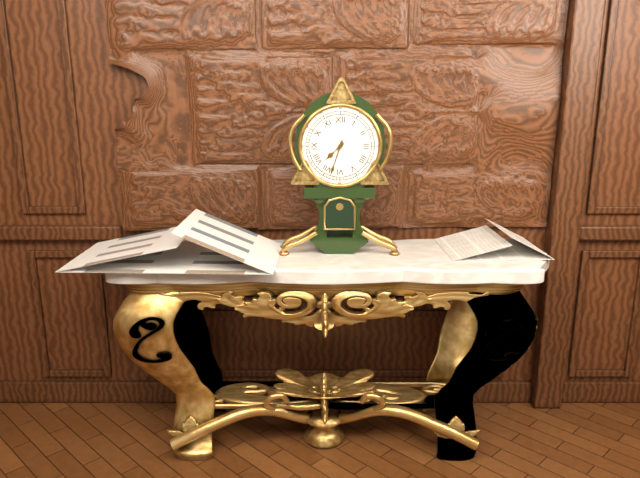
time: **7:33**
